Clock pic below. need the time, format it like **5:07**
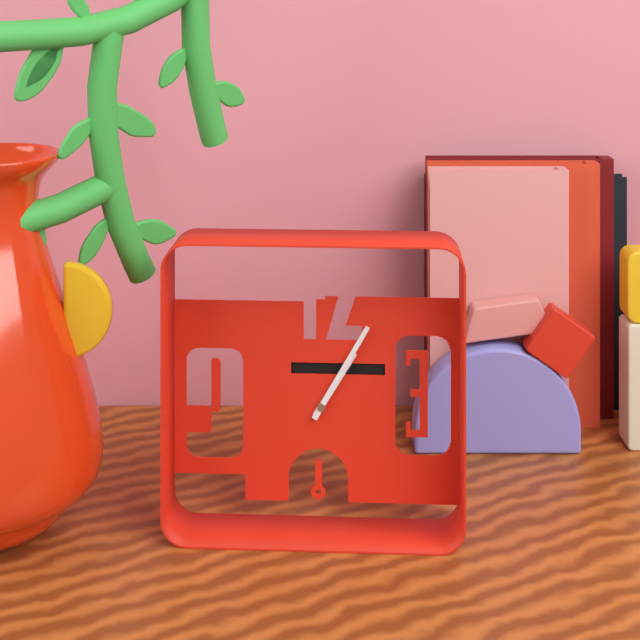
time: **1:05**
